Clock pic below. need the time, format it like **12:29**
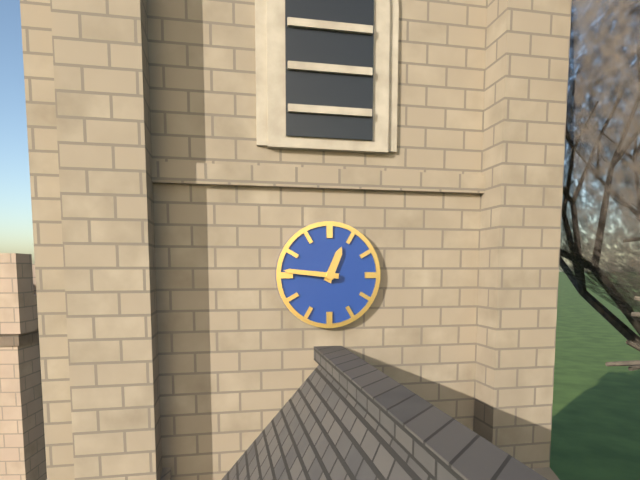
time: **12:46**
